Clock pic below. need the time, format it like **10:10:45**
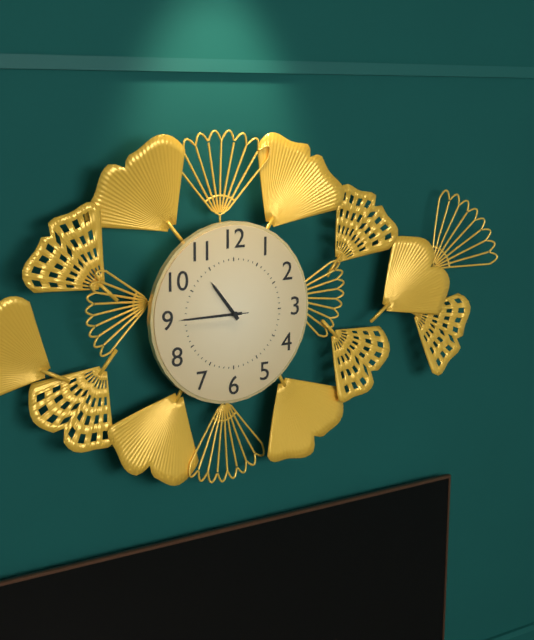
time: **10:45:45**
